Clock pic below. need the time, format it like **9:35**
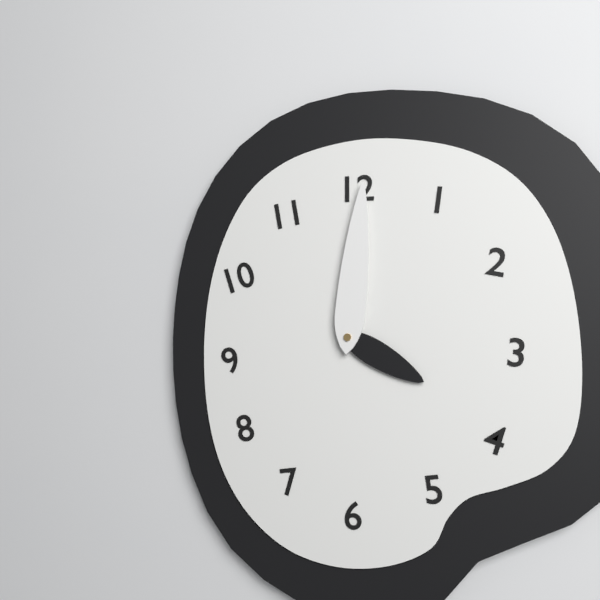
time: **4:01**
